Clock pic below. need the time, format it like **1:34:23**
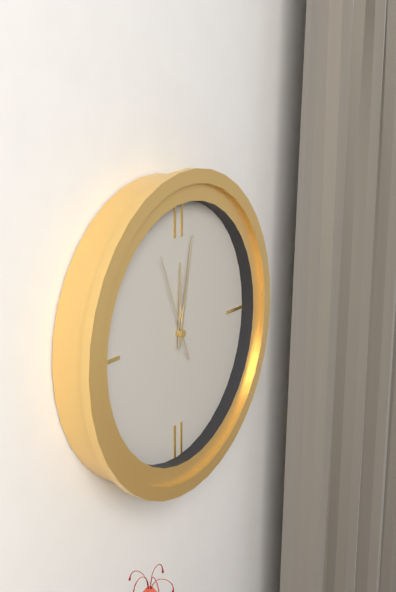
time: **12:02:56**
